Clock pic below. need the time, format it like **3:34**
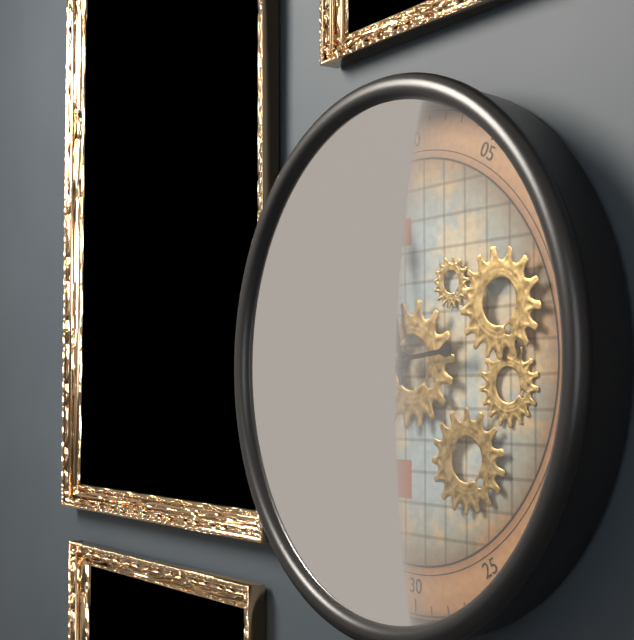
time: **11:44**
